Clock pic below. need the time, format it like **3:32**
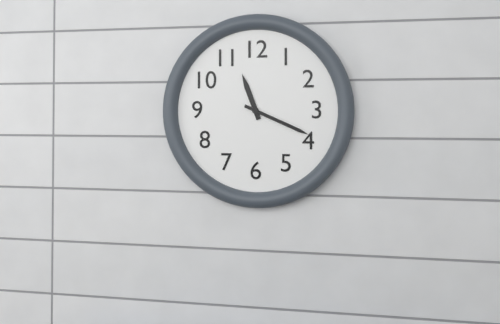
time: **11:19**
